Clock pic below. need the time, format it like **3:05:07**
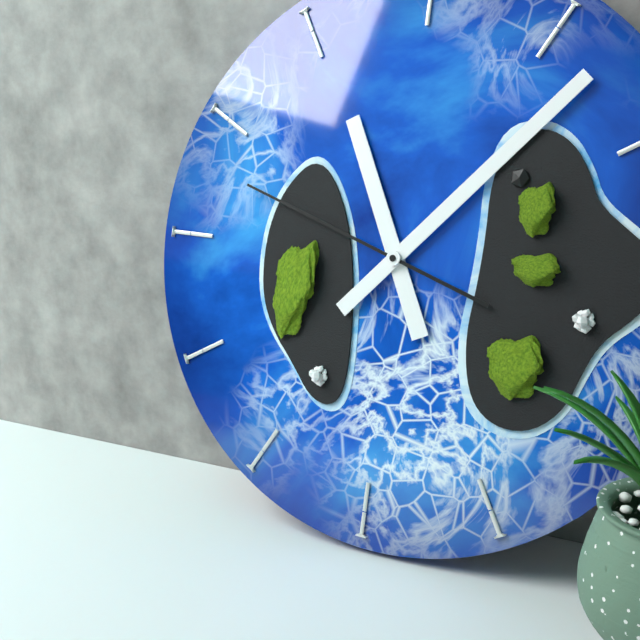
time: **11:07:48**
